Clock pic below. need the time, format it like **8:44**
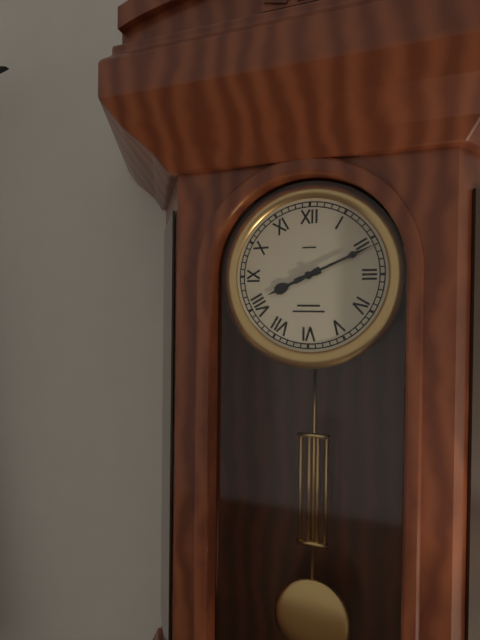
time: **8:11**
